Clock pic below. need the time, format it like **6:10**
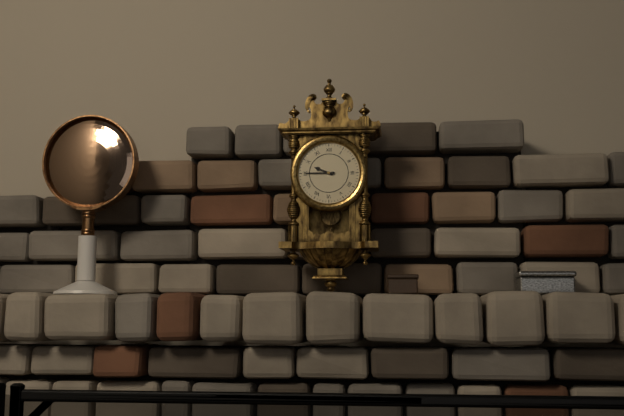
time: **9:45**
